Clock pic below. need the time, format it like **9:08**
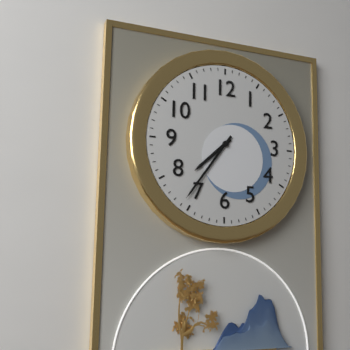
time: **7:36**
